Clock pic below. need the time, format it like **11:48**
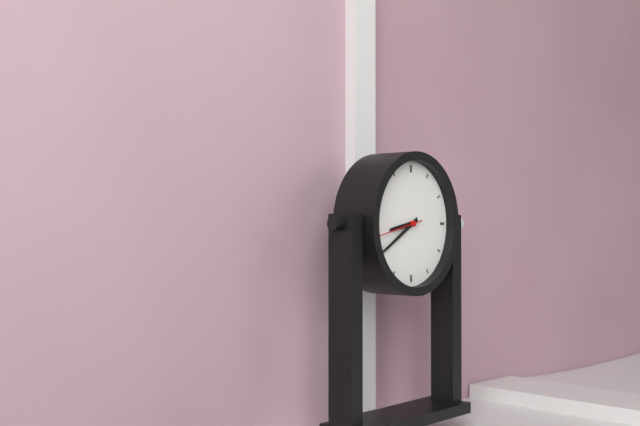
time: **8:40**
